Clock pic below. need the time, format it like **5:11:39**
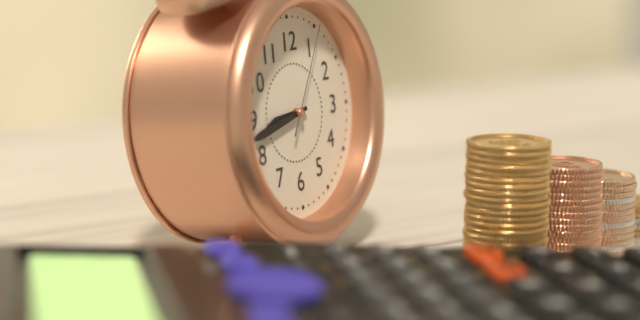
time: **8:43:05**
